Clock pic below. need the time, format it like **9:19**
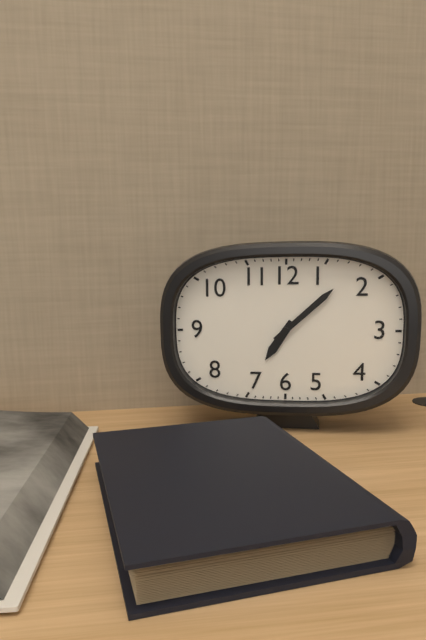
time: **7:08**
